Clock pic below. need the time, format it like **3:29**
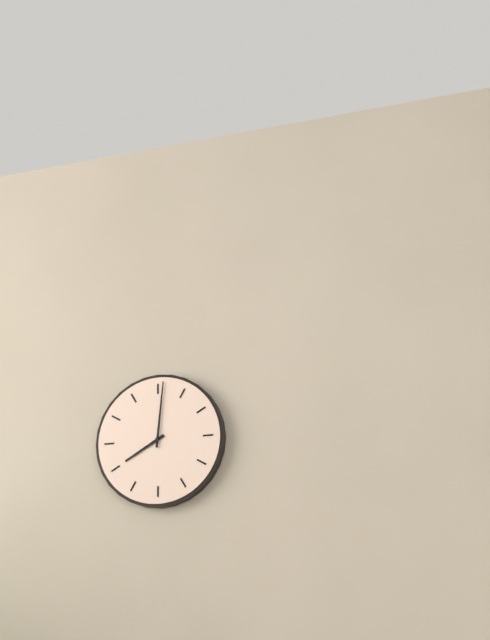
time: **8:01**
